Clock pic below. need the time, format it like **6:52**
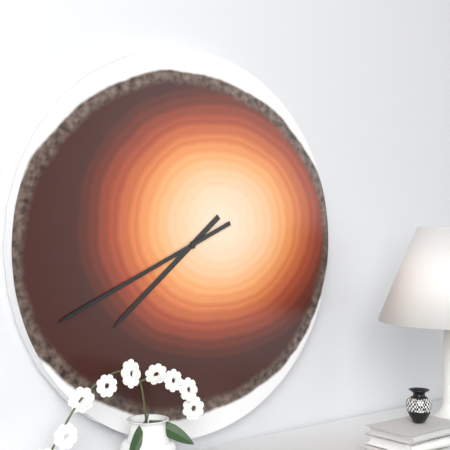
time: **7:41**
